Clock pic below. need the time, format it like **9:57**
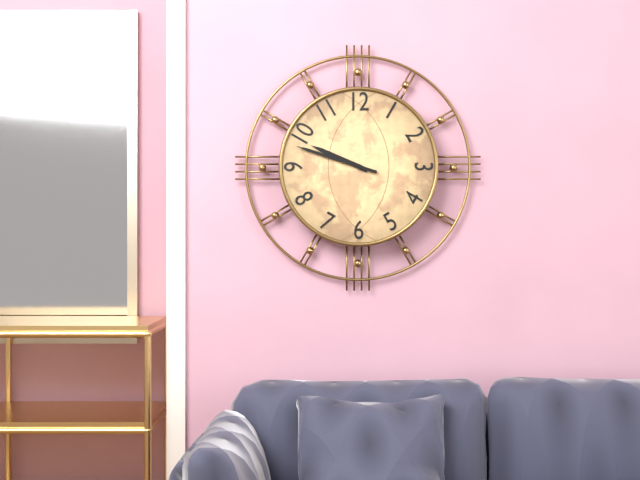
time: **9:48**
